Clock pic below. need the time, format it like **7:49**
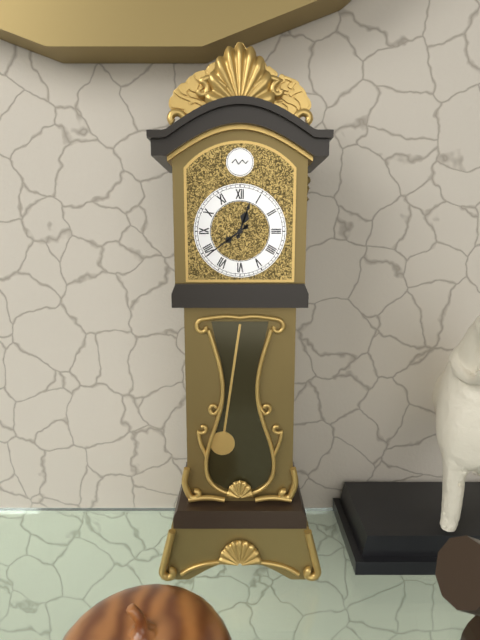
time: **12:39**
